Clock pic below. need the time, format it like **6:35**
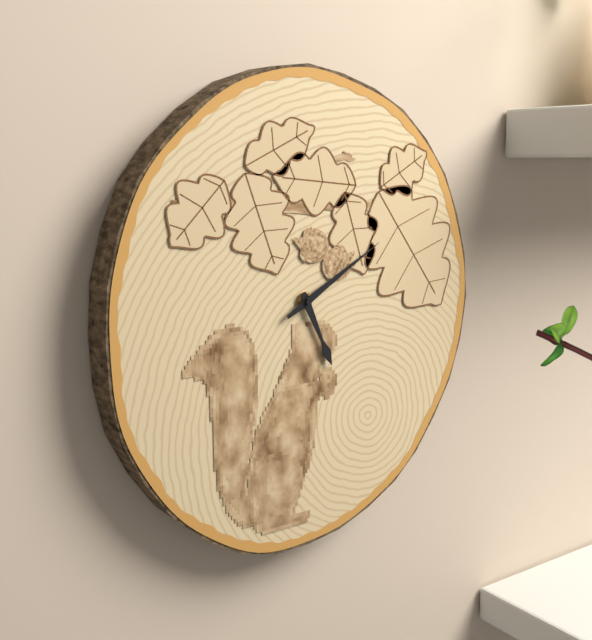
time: **5:10**
